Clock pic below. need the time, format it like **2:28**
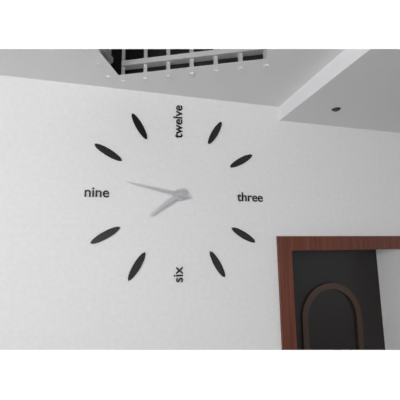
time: **7:47**
